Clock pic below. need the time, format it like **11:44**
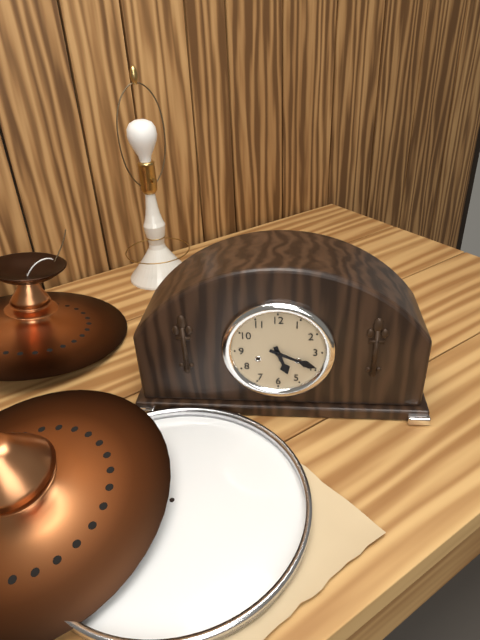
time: **5:19**
